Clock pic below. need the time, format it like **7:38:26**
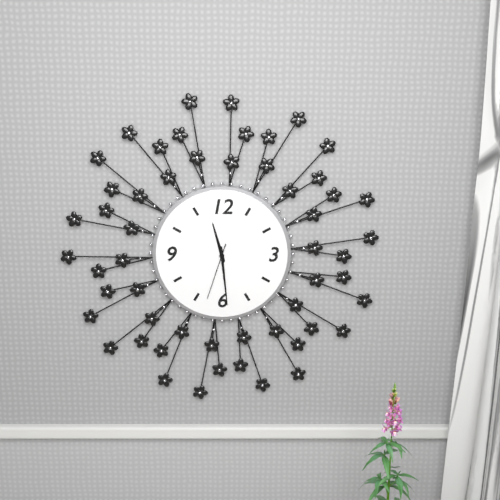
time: **11:29:33**
